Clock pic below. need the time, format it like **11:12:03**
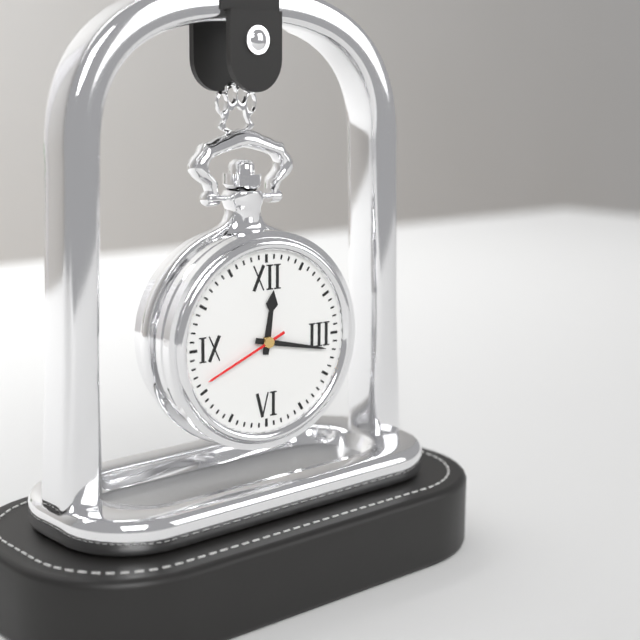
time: **12:17:41**
